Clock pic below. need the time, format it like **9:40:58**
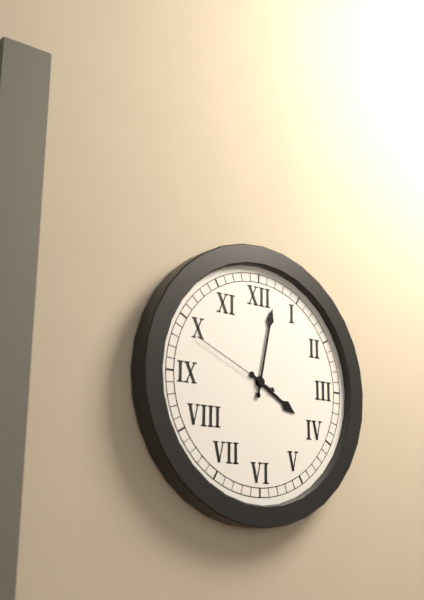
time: **4:02:49**
